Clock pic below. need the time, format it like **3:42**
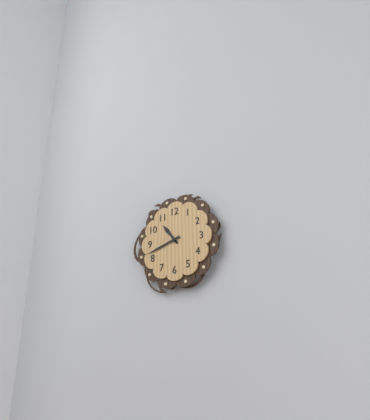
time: **10:42**
